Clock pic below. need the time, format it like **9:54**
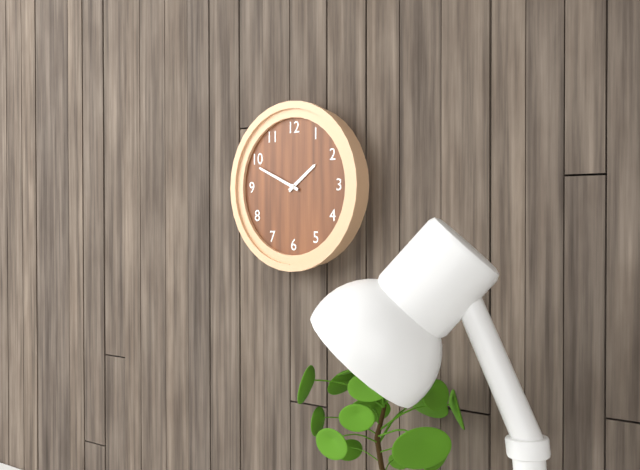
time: **1:49**
